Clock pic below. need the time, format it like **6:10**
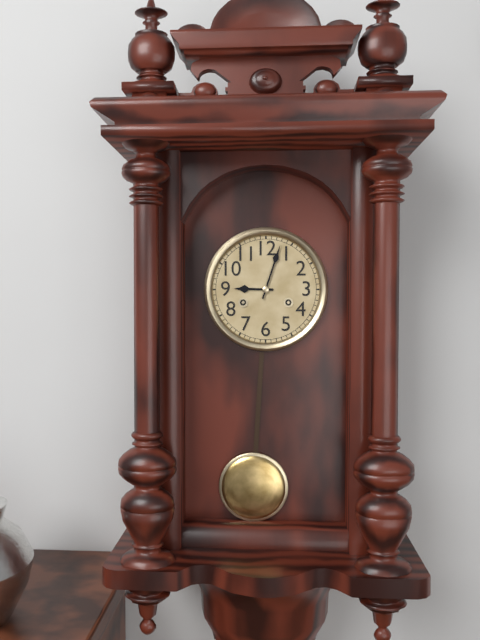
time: **9:03**
